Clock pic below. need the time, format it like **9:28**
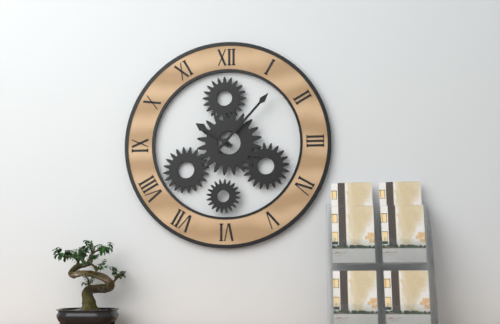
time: **10:07**
